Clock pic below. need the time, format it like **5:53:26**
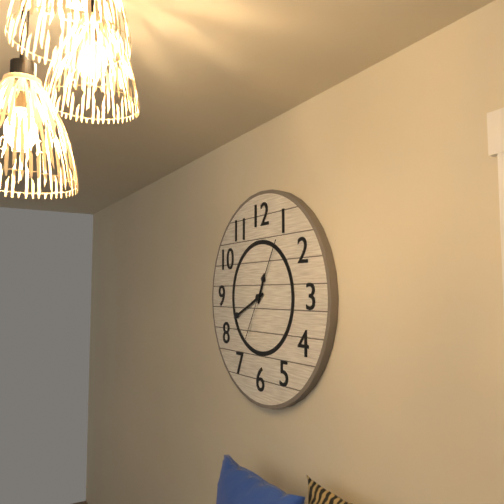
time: **12:41:05**
